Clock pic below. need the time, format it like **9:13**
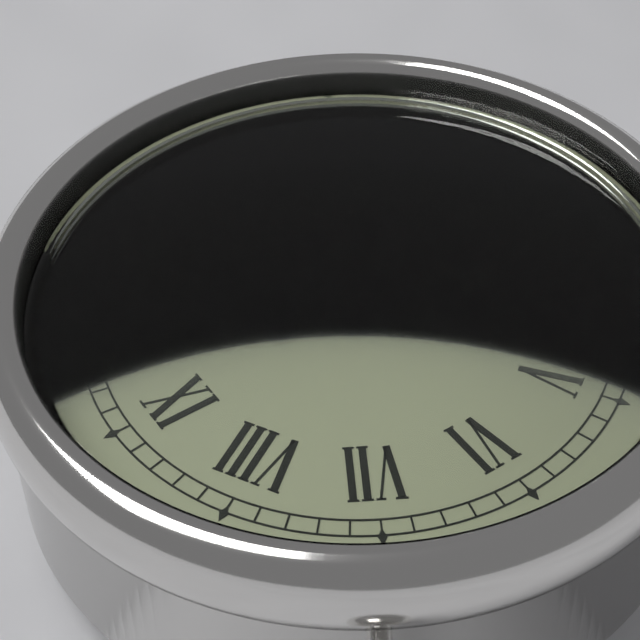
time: **10:02**
